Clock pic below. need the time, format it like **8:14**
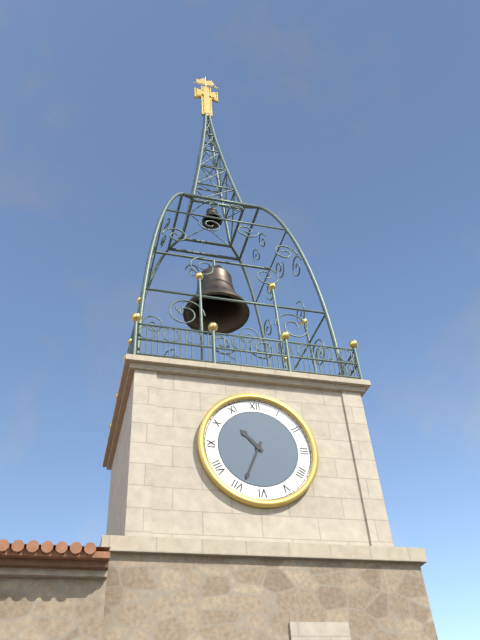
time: **10:34**
